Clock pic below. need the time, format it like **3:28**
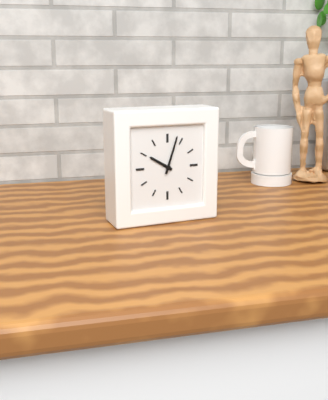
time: **10:03**
